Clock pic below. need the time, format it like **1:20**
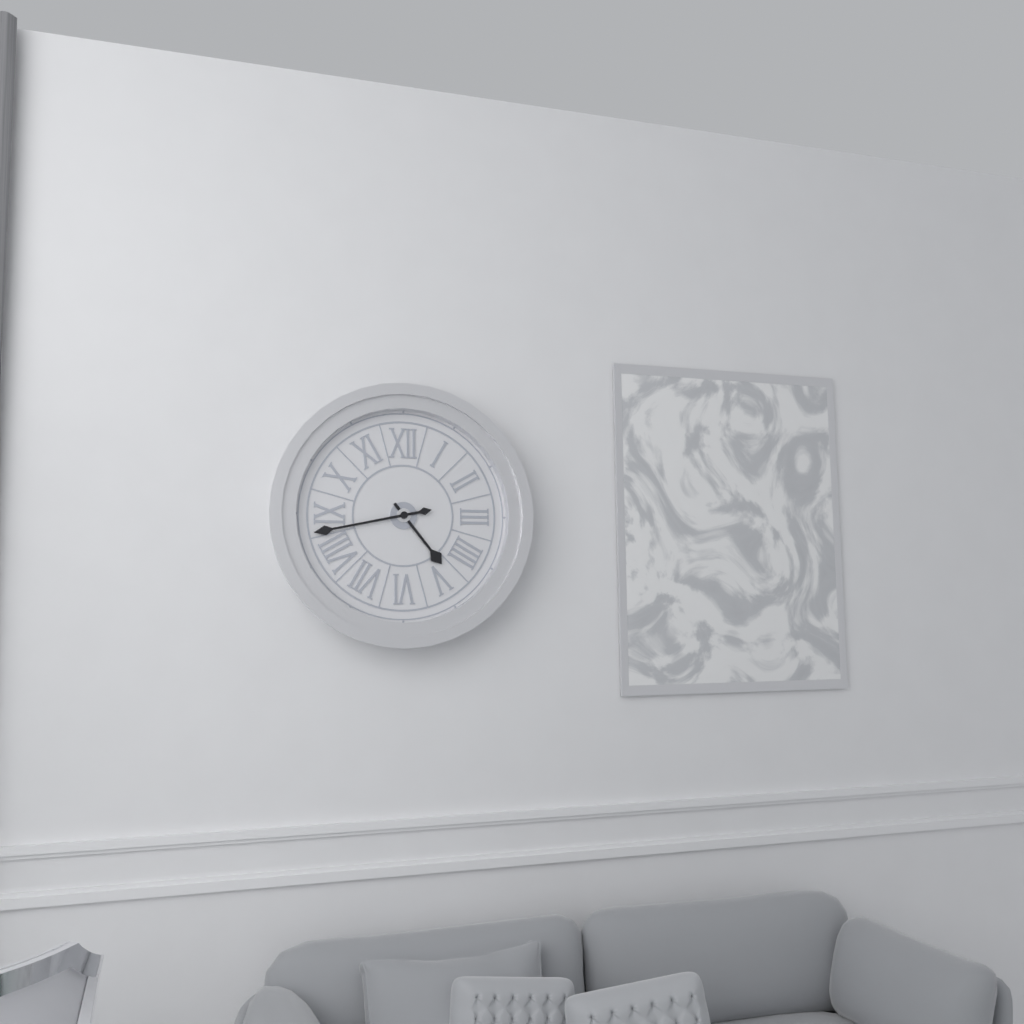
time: **4:43**
